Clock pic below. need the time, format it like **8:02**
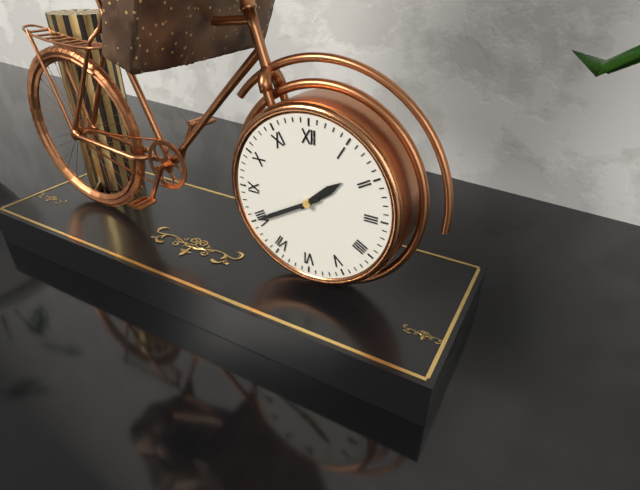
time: **1:40**
